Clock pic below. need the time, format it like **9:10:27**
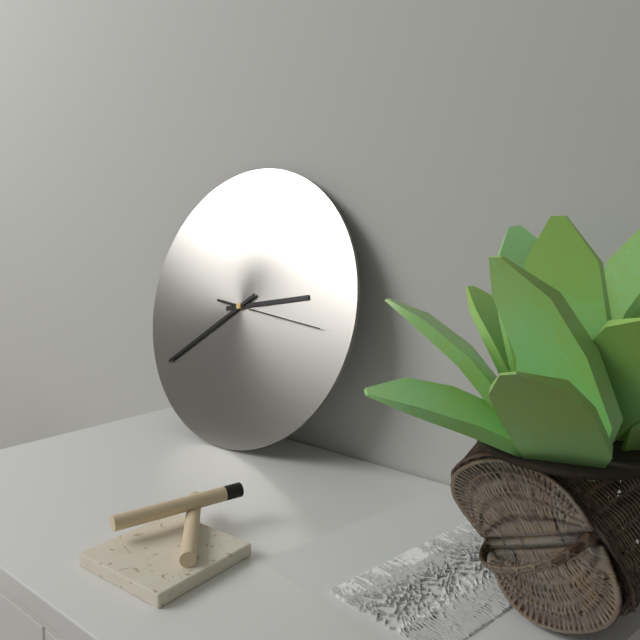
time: **2:39:16**
